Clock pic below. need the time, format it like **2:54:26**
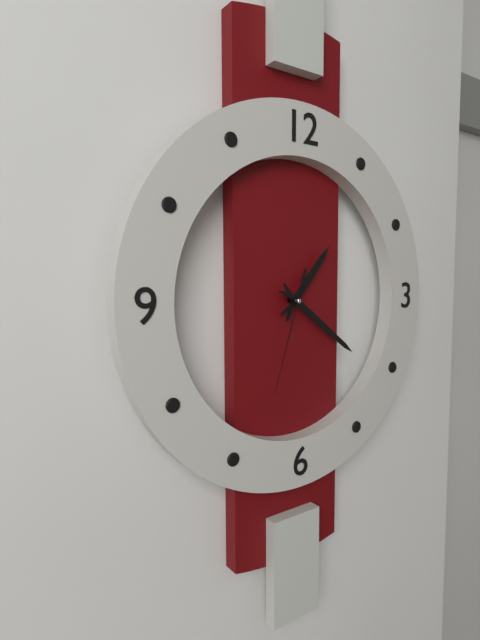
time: **1:21:33**
